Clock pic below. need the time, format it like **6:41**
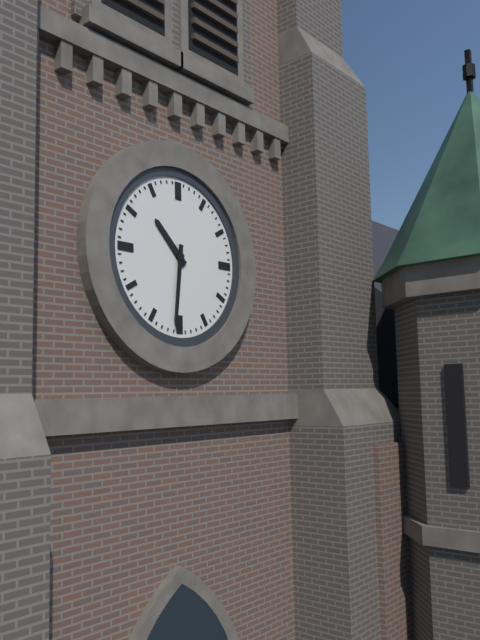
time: **10:31**
